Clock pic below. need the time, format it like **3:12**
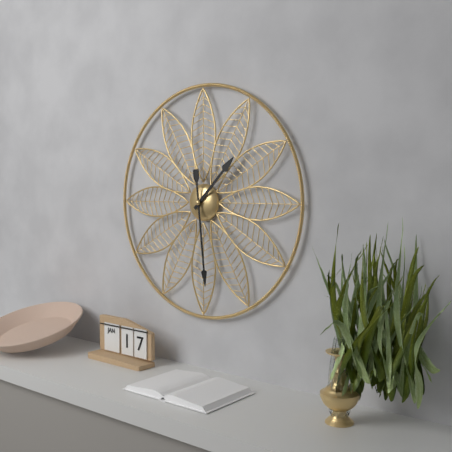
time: **1:29**
